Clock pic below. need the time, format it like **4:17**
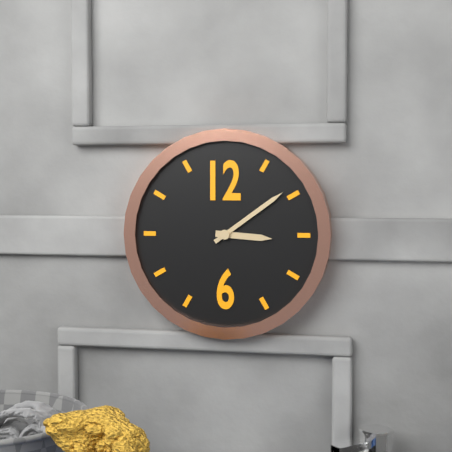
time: **3:09**
